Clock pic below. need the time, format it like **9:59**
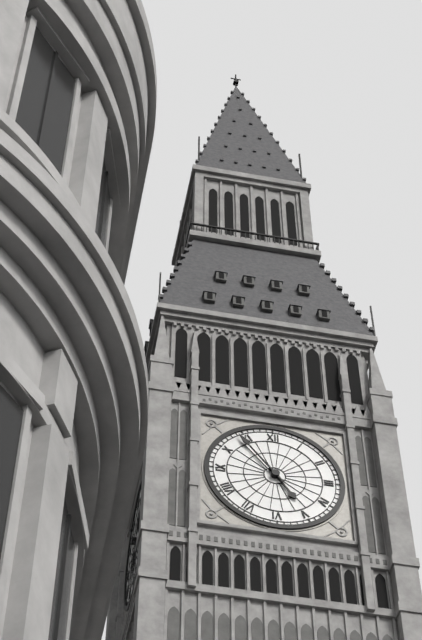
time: **4:54**
